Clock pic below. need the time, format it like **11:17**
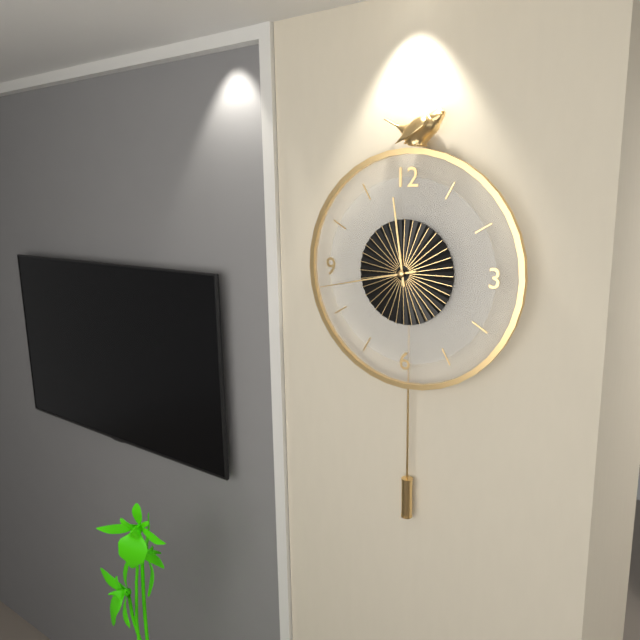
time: **11:43**
